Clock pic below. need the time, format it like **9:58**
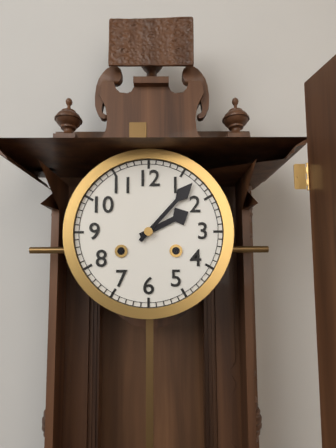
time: **2:07**
